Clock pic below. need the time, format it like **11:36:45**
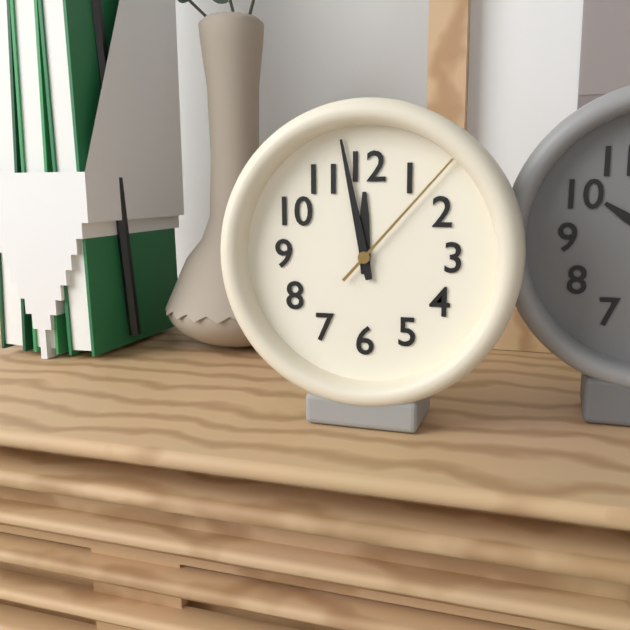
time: **11:58:07**
